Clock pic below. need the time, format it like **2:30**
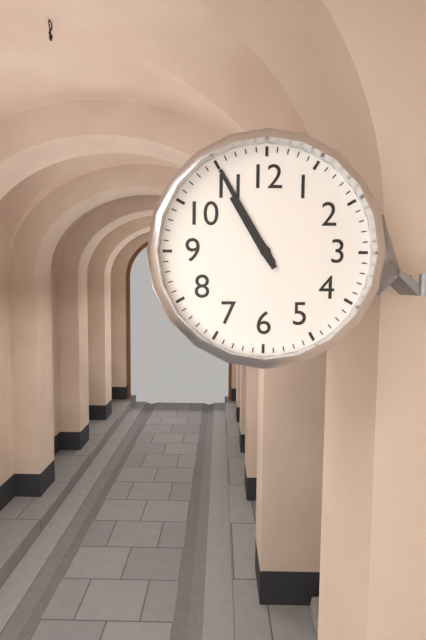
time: **10:55**
